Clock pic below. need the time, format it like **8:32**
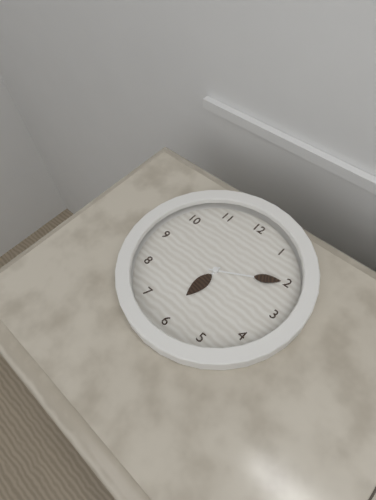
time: **6:10**
